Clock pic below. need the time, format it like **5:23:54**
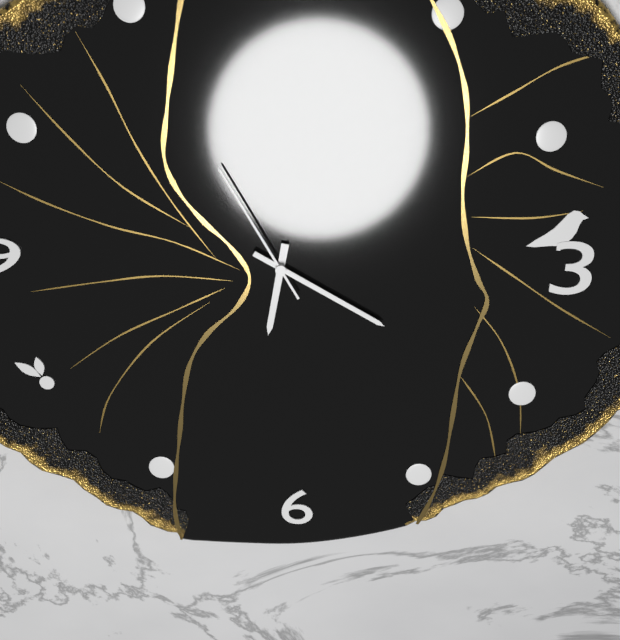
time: **6:20:55**
